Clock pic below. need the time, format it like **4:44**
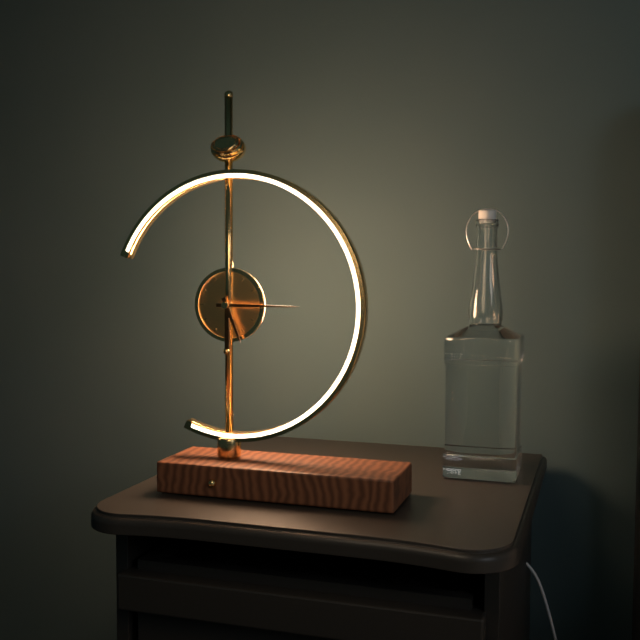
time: **5:15**
